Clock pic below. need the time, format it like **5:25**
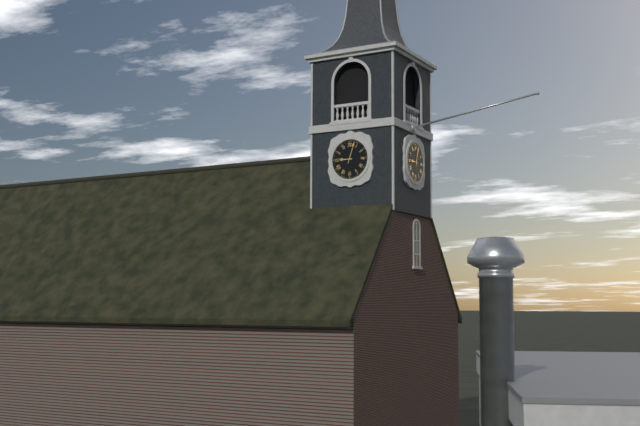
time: **9:03**
